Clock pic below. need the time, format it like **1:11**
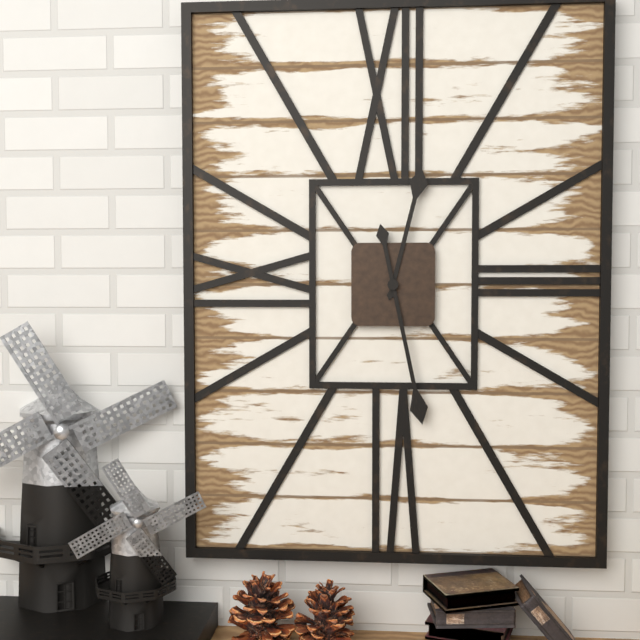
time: **12:28**
